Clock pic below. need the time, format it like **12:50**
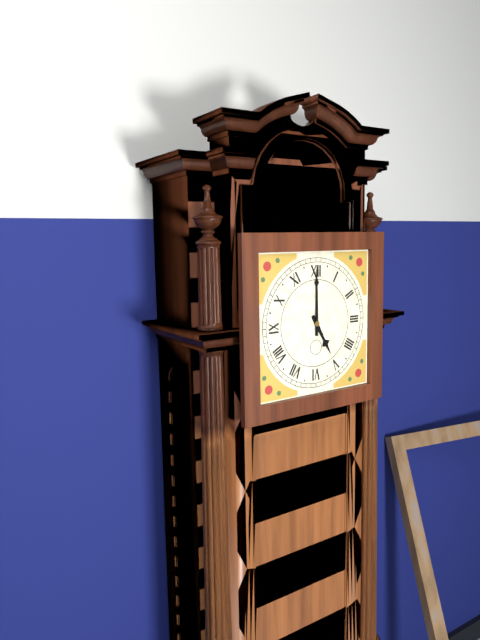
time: **5:00**
